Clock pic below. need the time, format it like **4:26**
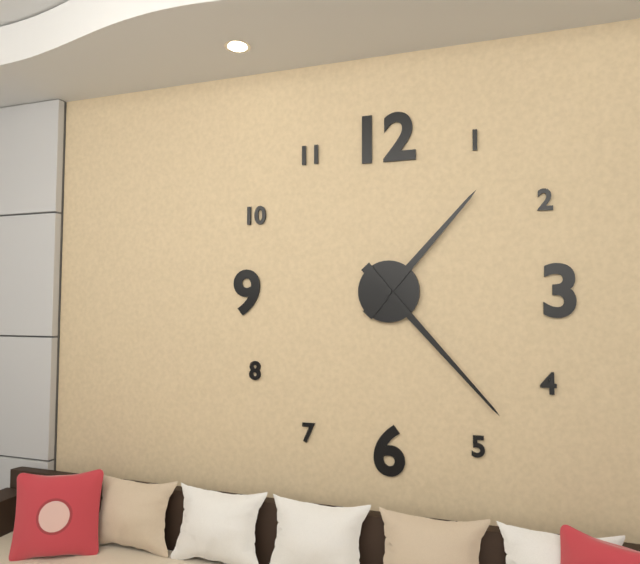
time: **1:23**
